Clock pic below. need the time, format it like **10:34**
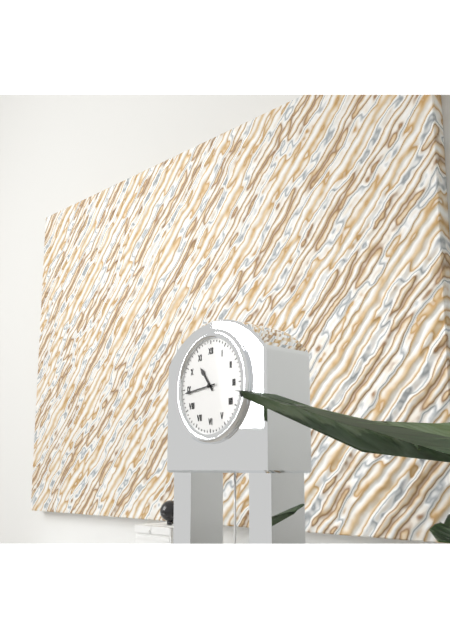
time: **10:44**
